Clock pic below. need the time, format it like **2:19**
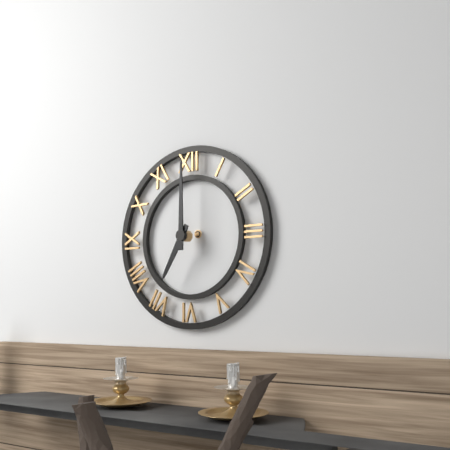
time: **7:00**
